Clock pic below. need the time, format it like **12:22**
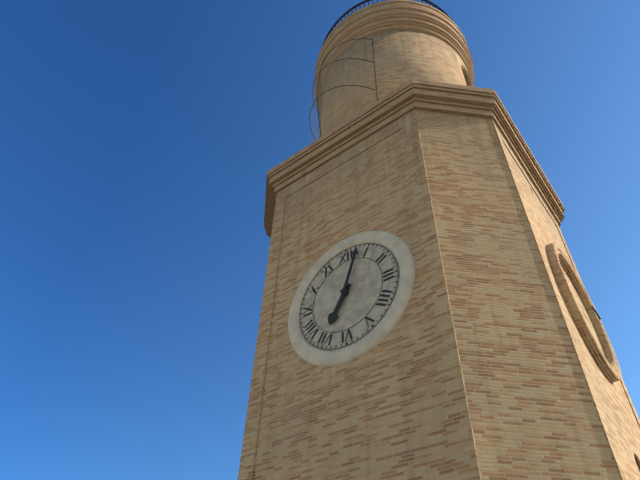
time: **7:03**
